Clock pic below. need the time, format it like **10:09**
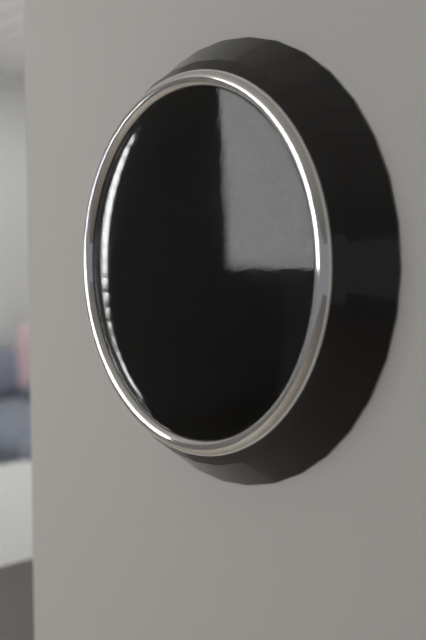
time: **10:17**
